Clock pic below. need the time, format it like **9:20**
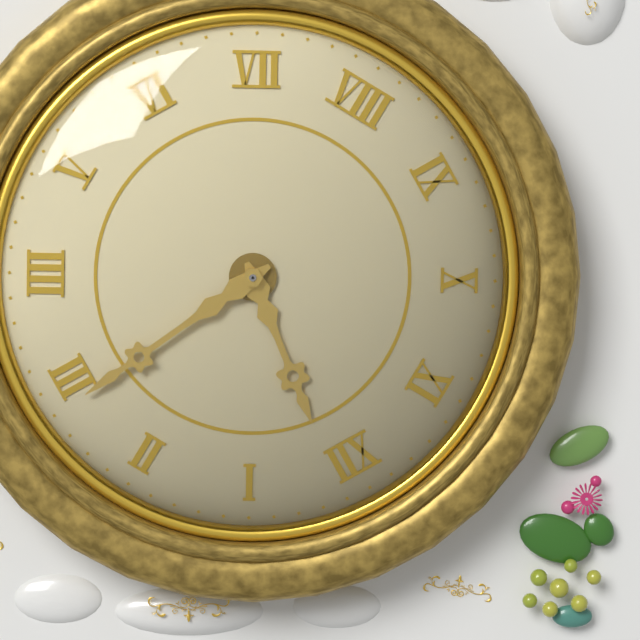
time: **12:14**
